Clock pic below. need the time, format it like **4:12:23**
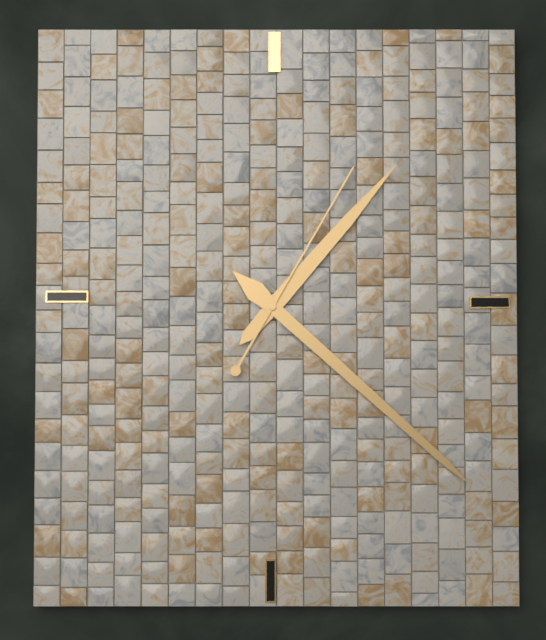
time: **1:22:05**
